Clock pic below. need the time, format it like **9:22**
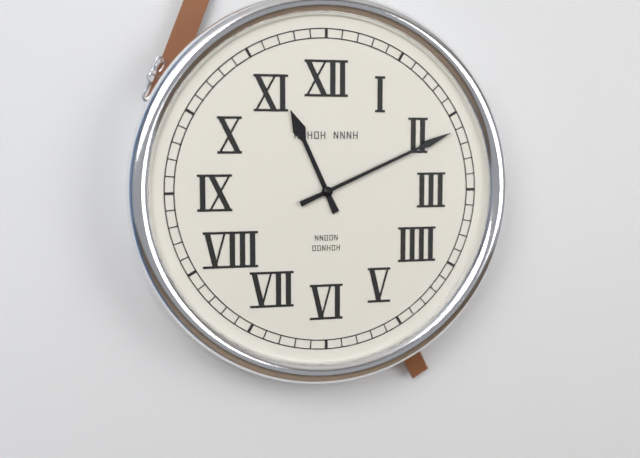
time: **11:11**
